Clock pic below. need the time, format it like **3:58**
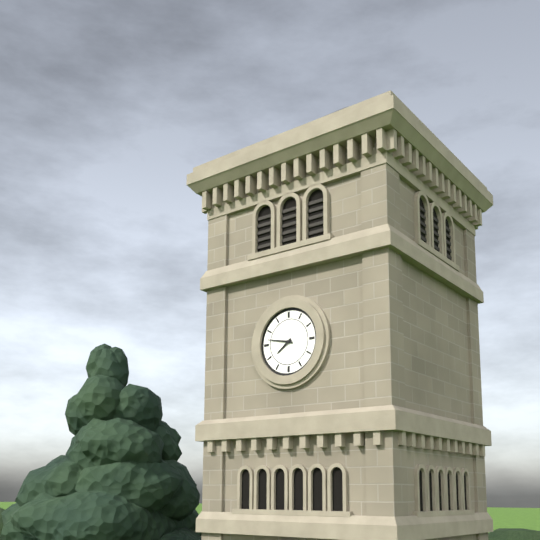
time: **7:47**
